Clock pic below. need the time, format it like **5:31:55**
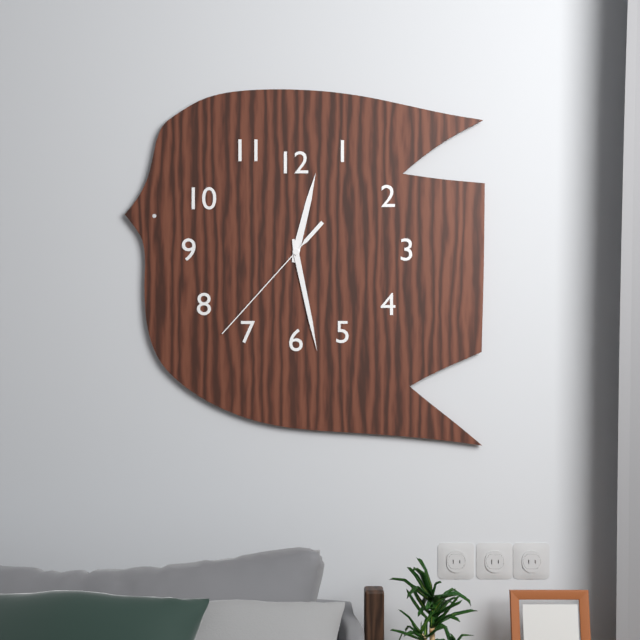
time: **12:28:37**
